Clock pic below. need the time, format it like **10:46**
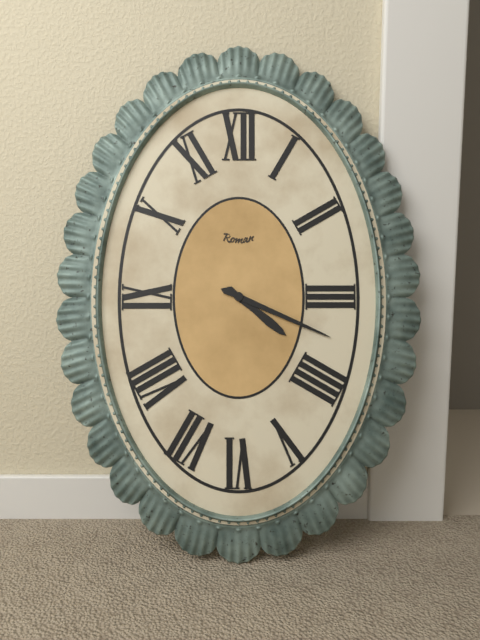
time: **4:19**
